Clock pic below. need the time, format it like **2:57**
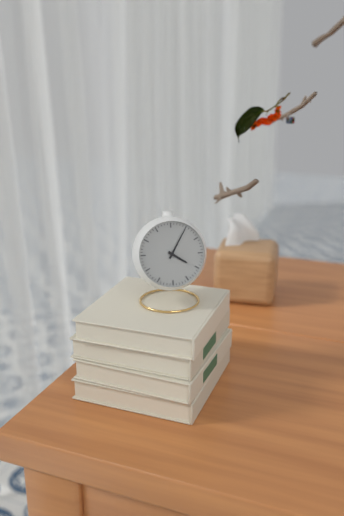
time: **4:05**
